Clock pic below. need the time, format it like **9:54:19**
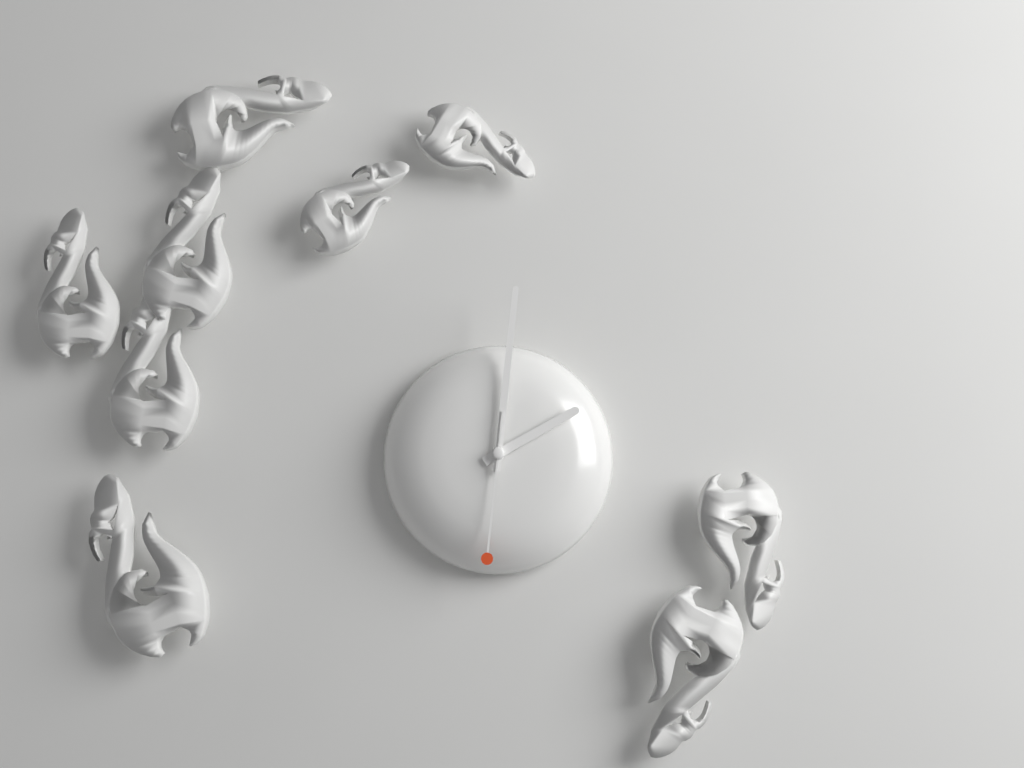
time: **2:01:31**
